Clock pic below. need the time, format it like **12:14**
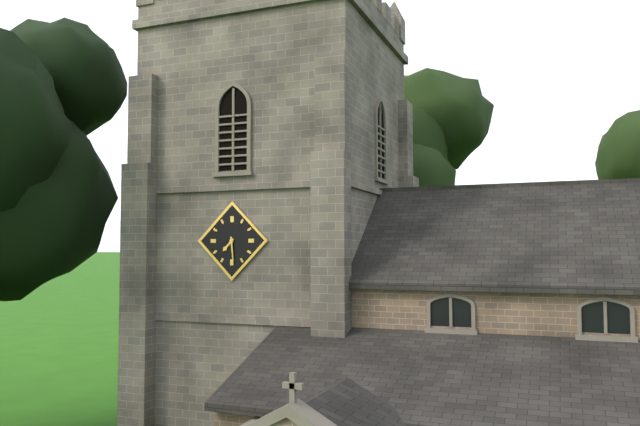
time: **7:29**
